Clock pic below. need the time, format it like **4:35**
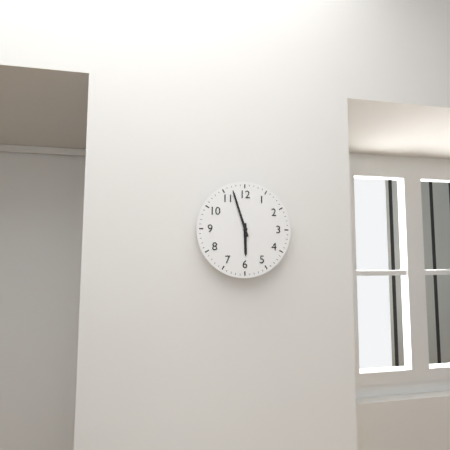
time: **5:57**
